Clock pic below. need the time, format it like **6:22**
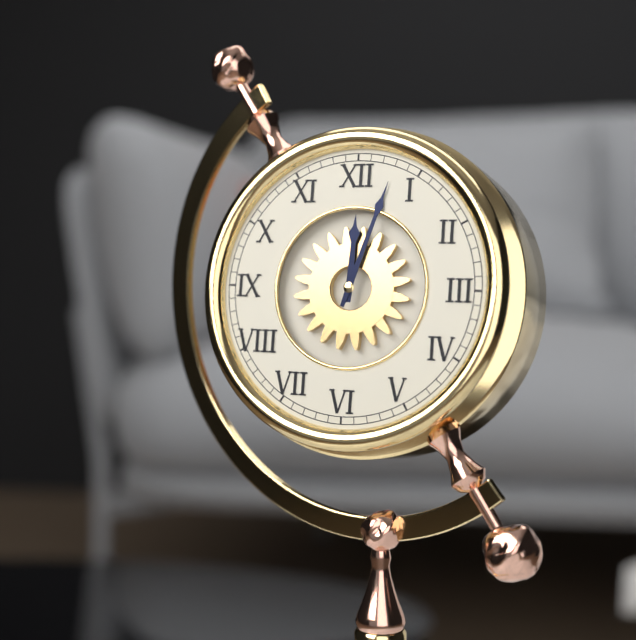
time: **12:03**
